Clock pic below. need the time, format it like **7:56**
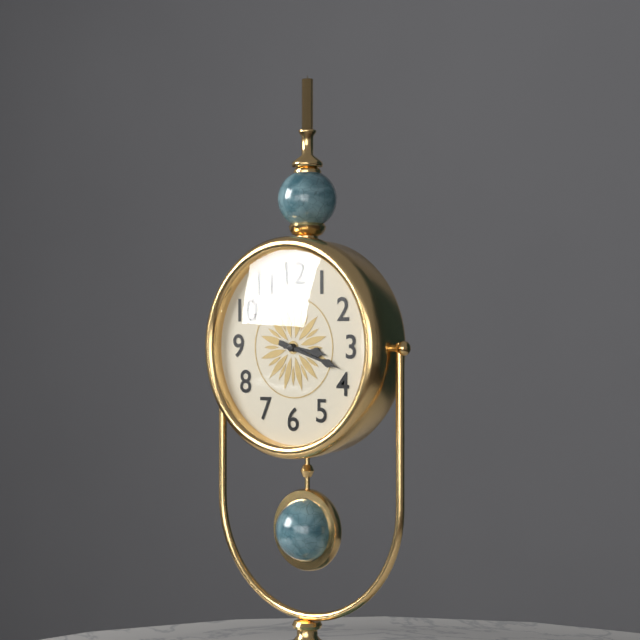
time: **3:18**
